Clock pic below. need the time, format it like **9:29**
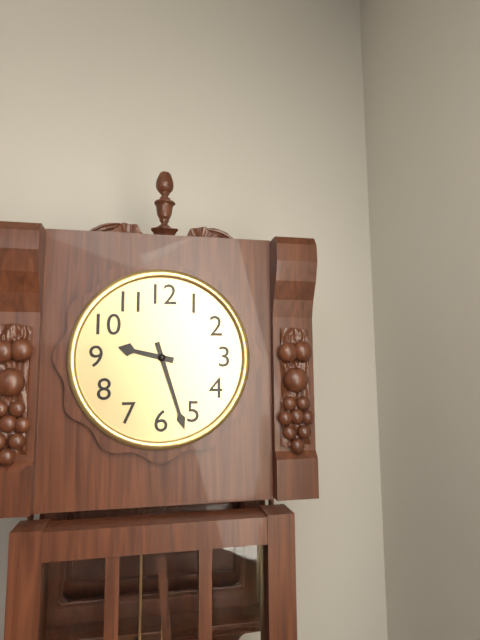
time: **9:27**
